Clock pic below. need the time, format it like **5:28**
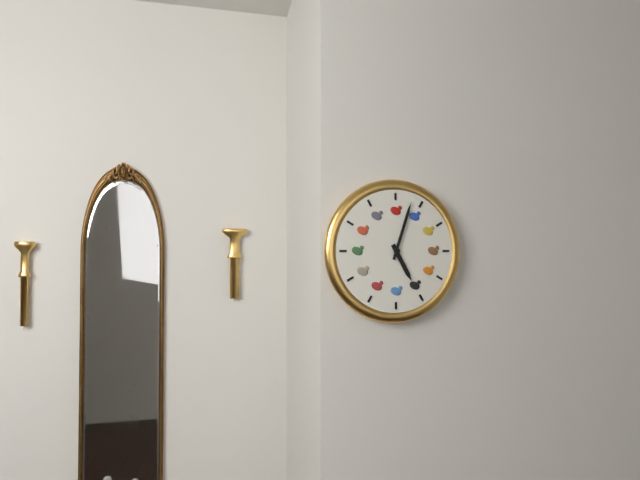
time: **5:03**
